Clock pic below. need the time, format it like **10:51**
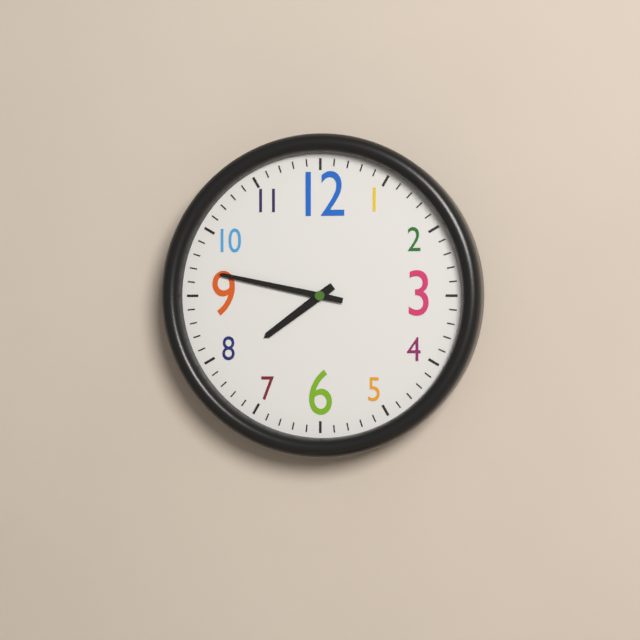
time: **7:47**
